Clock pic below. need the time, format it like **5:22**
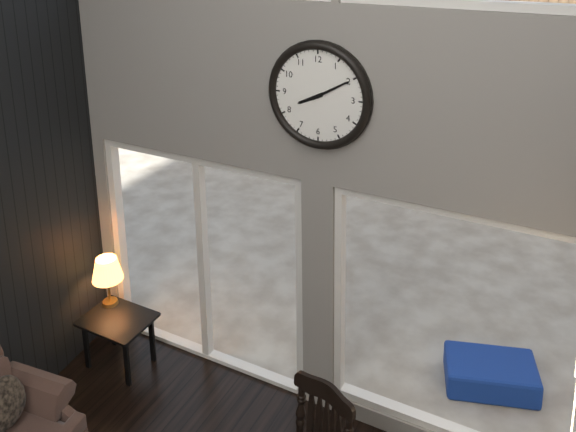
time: **8:10**
